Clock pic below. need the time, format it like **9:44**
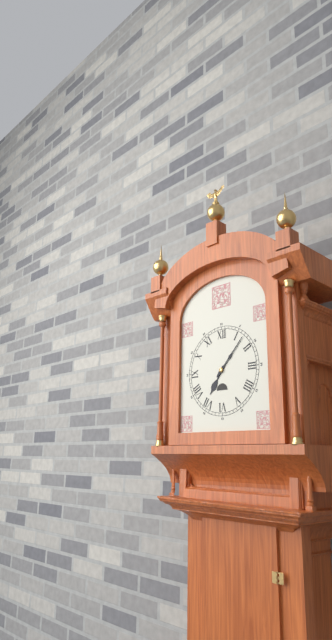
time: **7:07**
